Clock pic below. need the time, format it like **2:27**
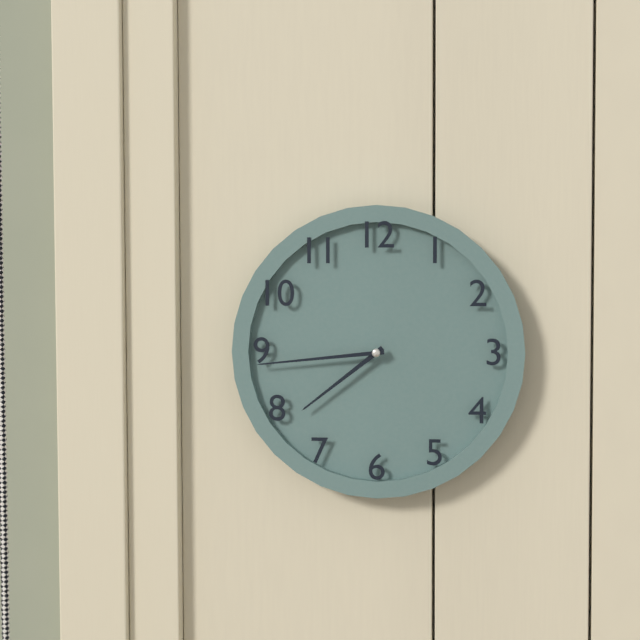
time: **7:44**
